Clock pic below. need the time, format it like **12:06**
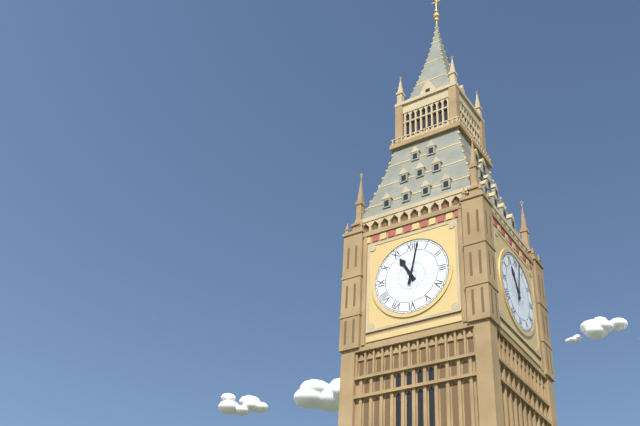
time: **11:02**
